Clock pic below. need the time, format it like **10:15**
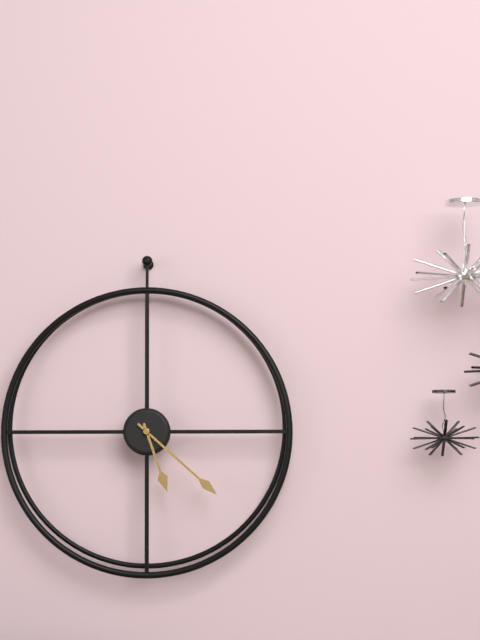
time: **5:22**
